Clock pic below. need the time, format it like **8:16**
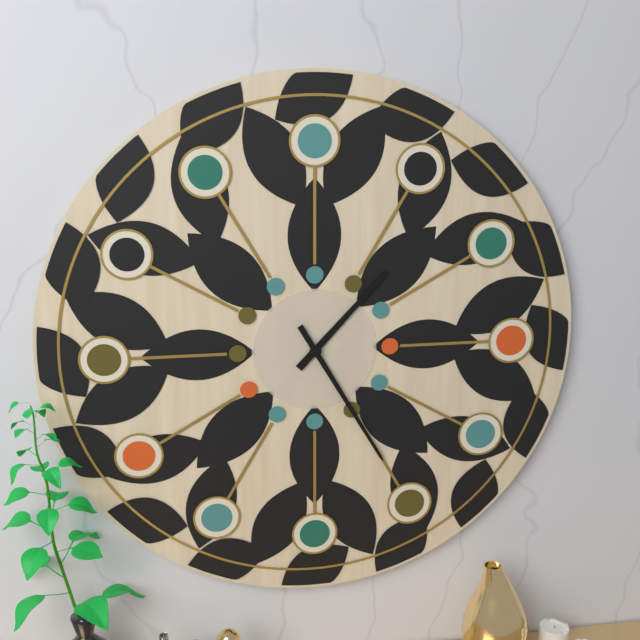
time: **1:25**
